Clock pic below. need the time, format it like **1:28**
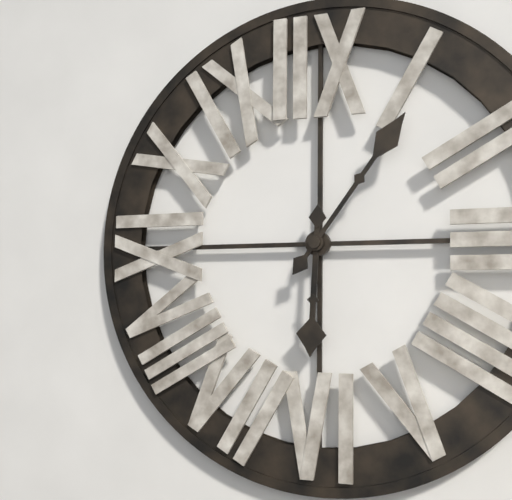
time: **6:06**
